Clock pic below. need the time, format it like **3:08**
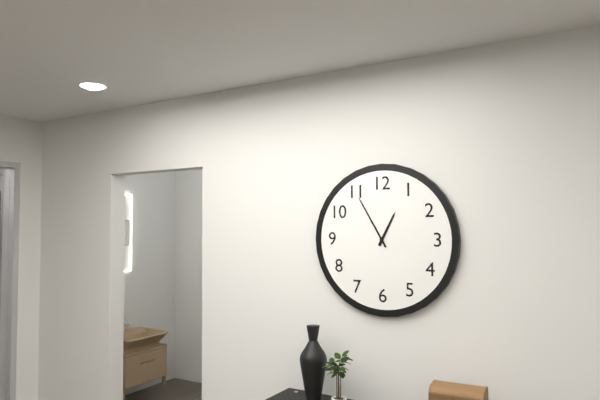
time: **12:55**
